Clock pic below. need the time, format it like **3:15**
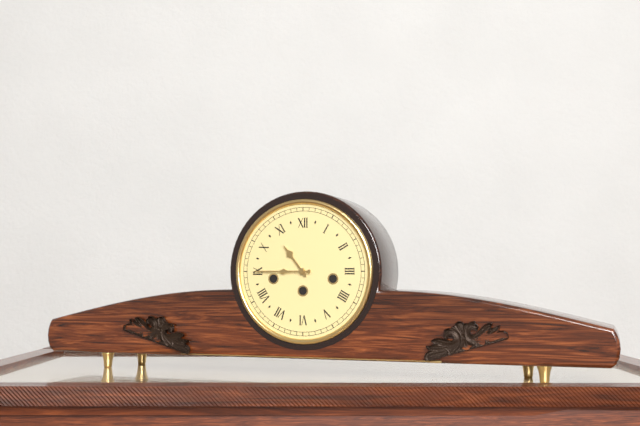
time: **10:45**
